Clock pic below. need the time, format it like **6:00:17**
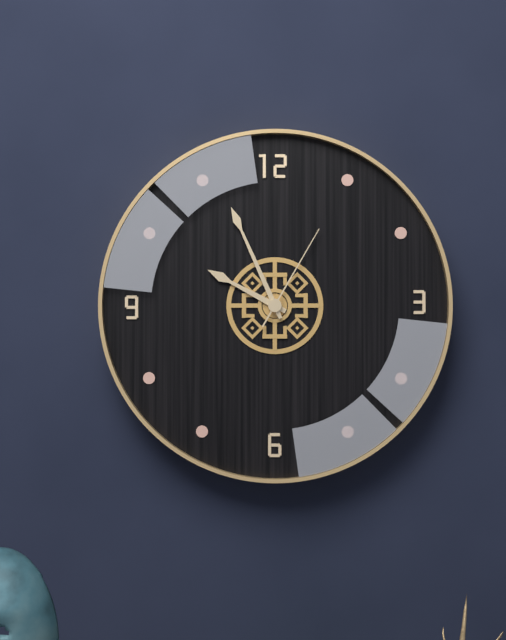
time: **9:56:05**
